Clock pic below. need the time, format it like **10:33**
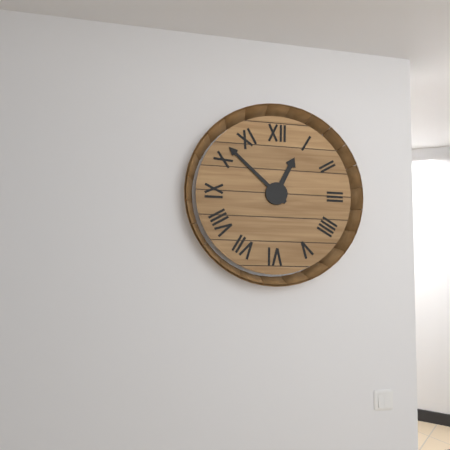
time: **12:52**
